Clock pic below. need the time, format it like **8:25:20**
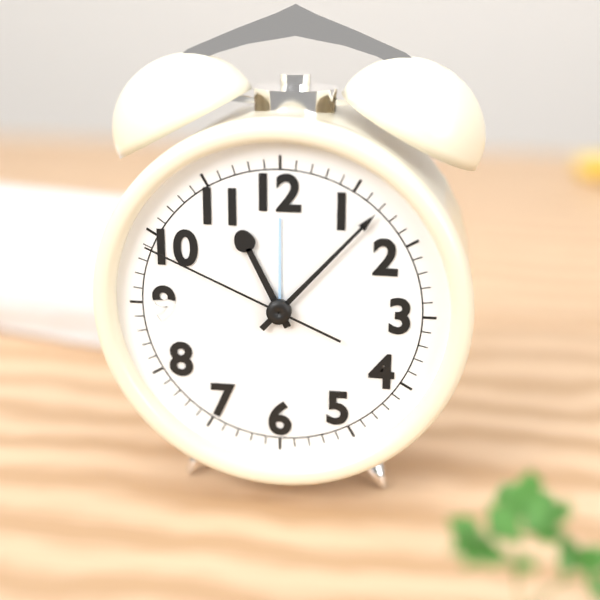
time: **11:07:49**
